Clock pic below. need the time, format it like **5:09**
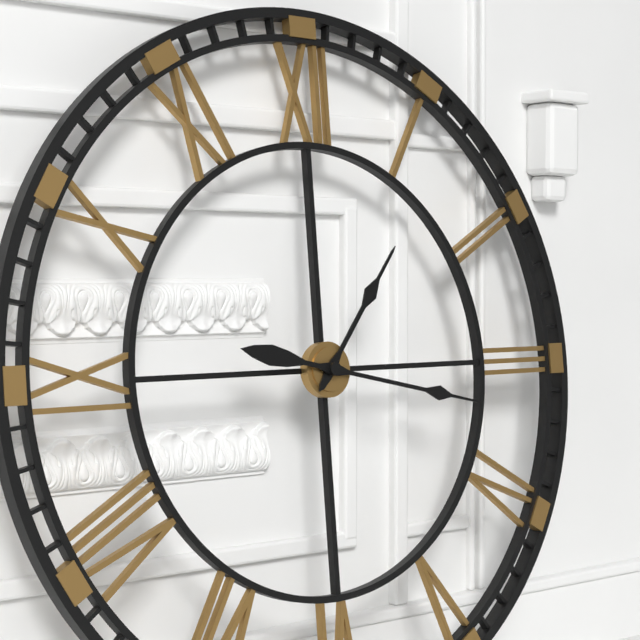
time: **1:17**
